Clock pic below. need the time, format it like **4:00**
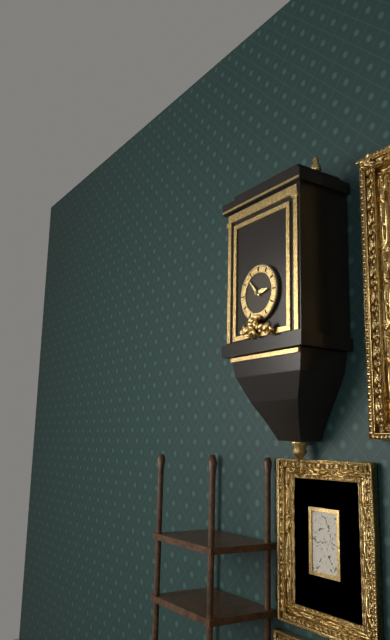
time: **2:53**
